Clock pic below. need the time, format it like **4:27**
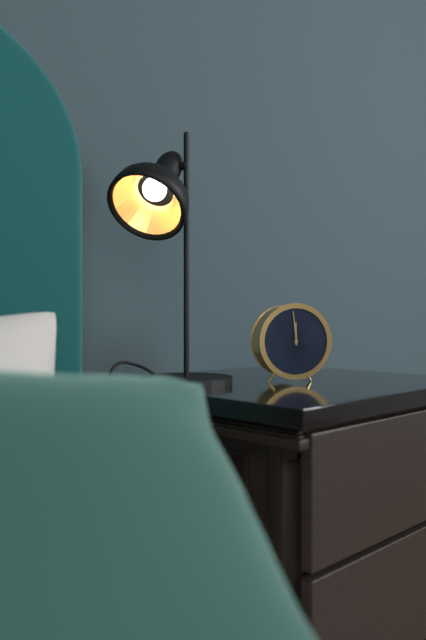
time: **11:59**
